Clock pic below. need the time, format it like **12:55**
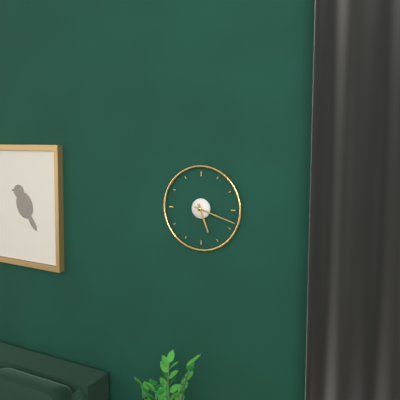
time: **5:18**
